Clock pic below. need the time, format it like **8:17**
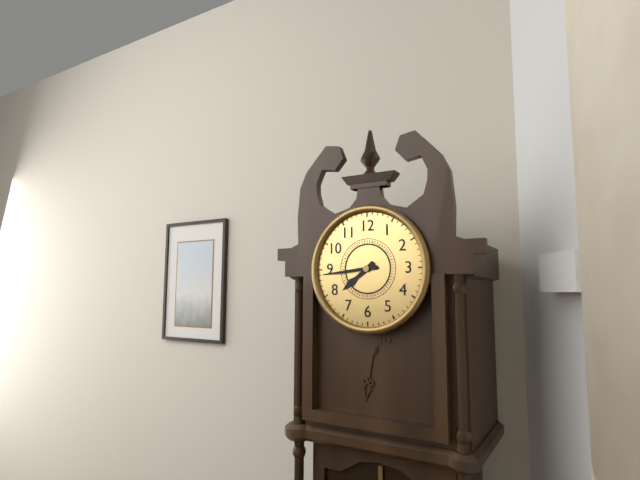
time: **7:44**
